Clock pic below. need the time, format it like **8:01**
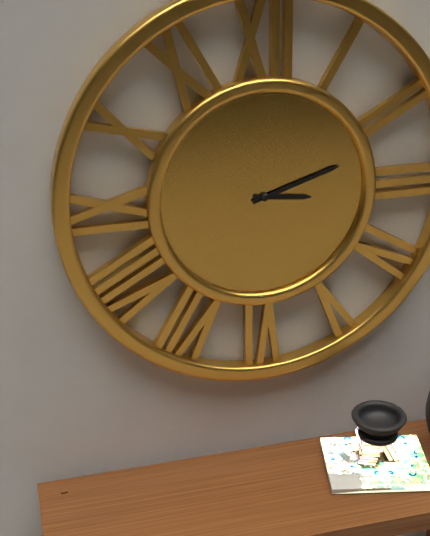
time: **3:12**
